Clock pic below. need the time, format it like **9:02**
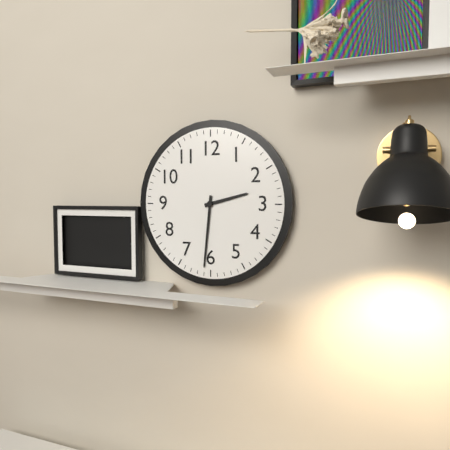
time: **2:31**
